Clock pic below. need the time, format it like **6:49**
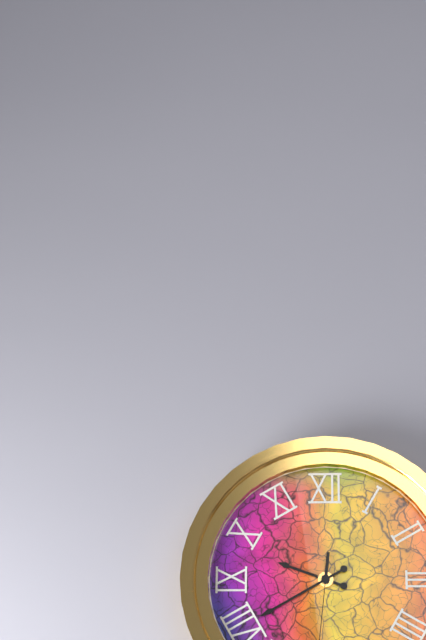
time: **9:40**
